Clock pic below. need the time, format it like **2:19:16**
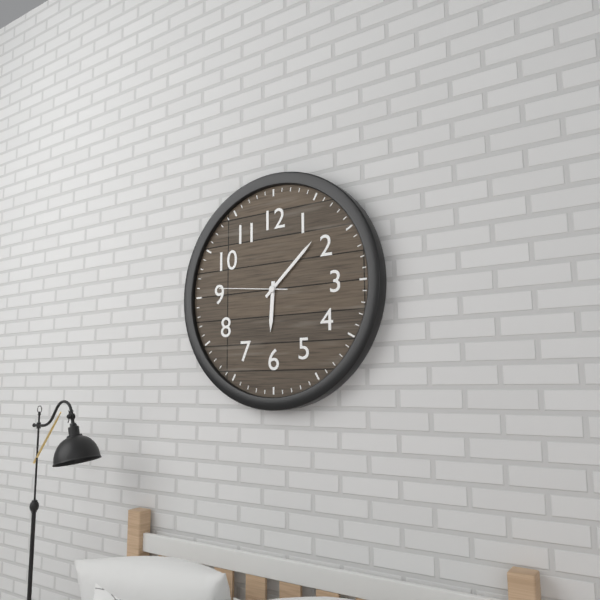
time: **6:08:46**
